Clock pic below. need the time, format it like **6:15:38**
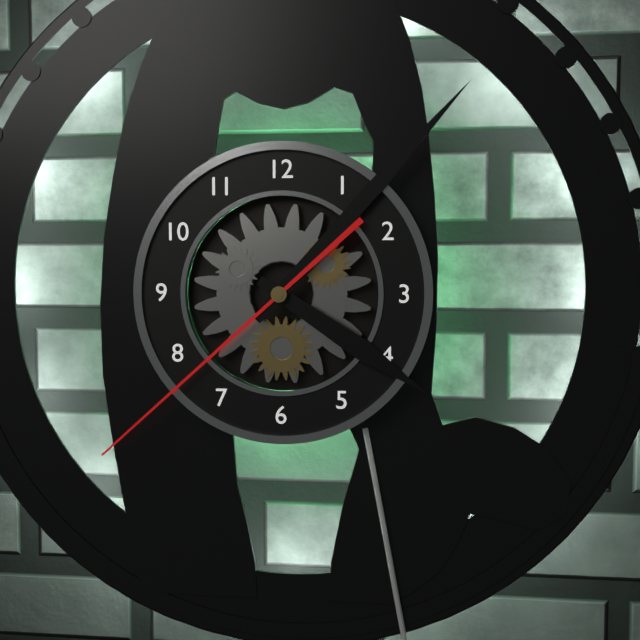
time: **4:07:38**
